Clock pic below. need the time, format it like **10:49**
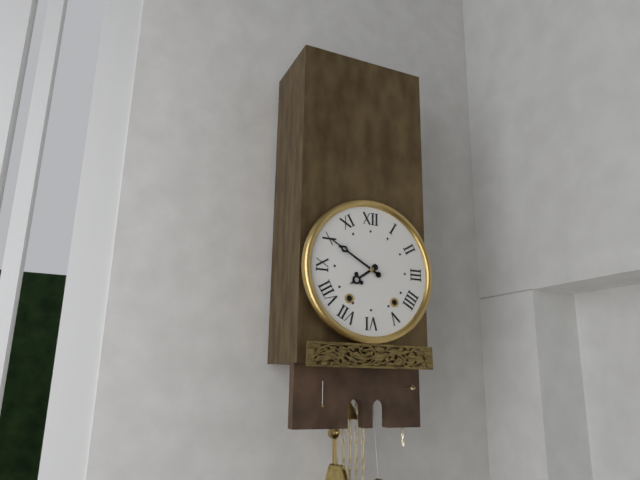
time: **7:50**
